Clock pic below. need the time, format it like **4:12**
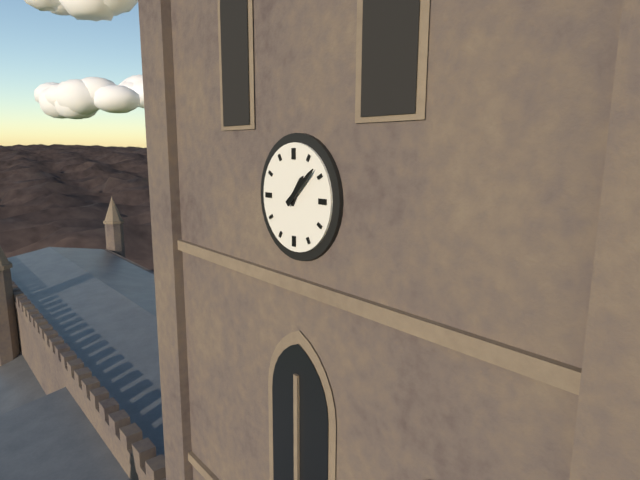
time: **1:08**
